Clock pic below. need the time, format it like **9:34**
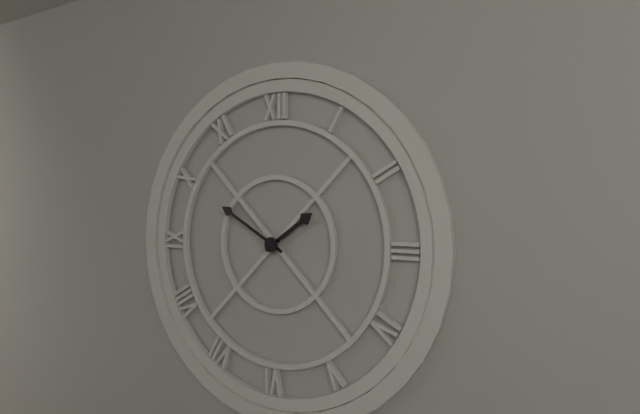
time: **1:50**
